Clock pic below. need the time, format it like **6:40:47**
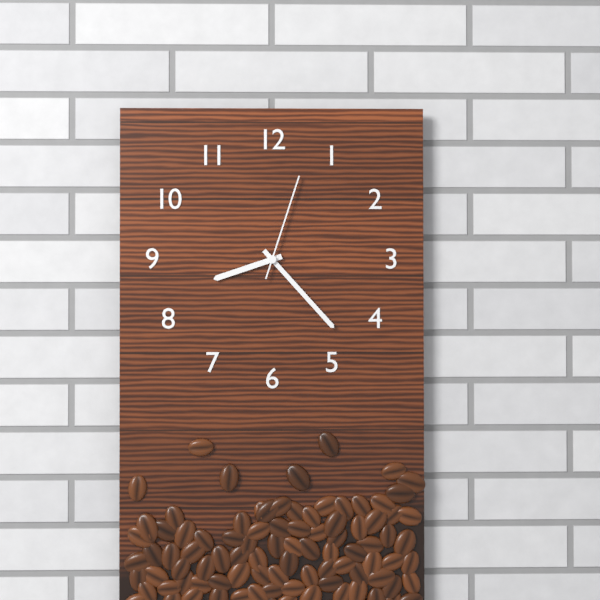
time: **8:23:03**
